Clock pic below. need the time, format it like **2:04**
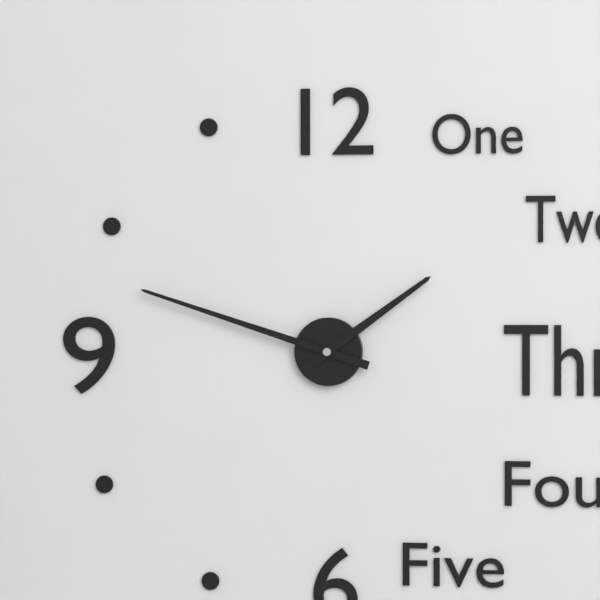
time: **1:48**
